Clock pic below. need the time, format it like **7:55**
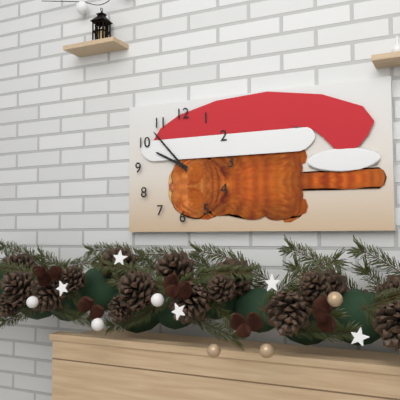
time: **9:53**
